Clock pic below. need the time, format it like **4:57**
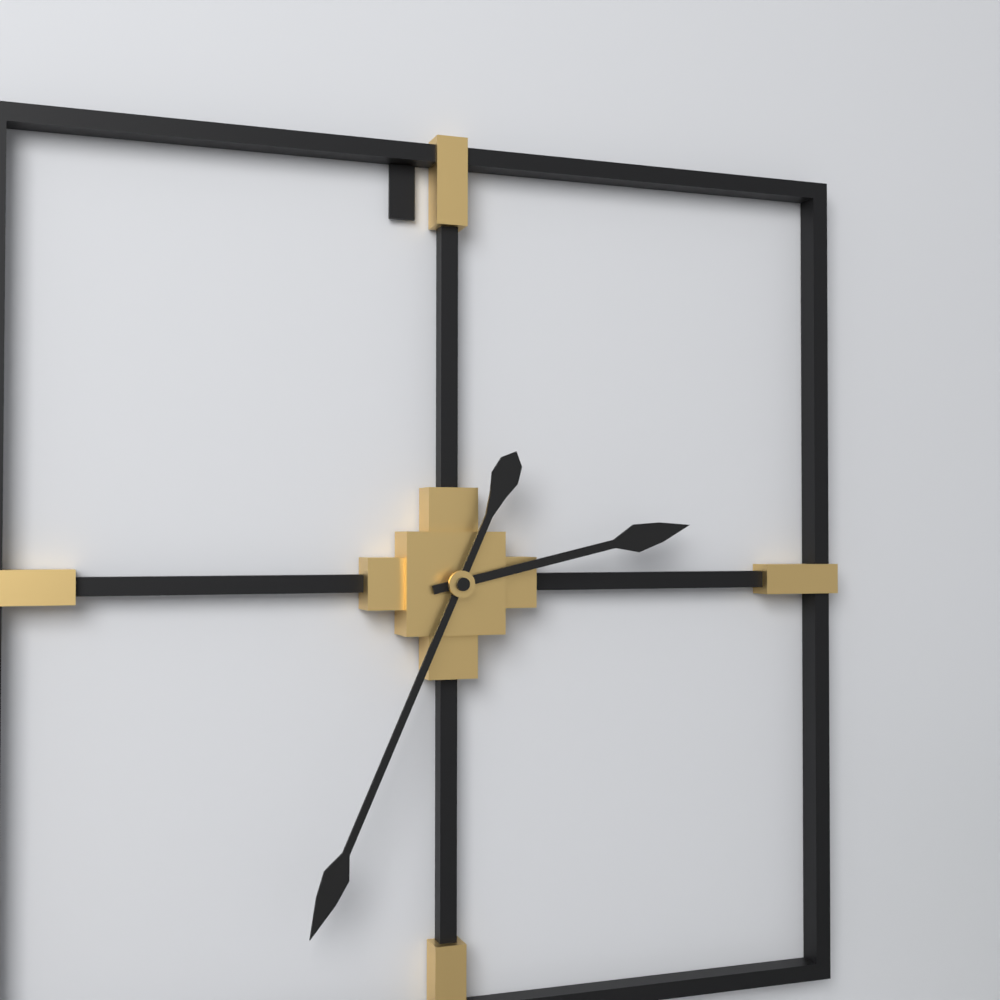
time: **2:34**
